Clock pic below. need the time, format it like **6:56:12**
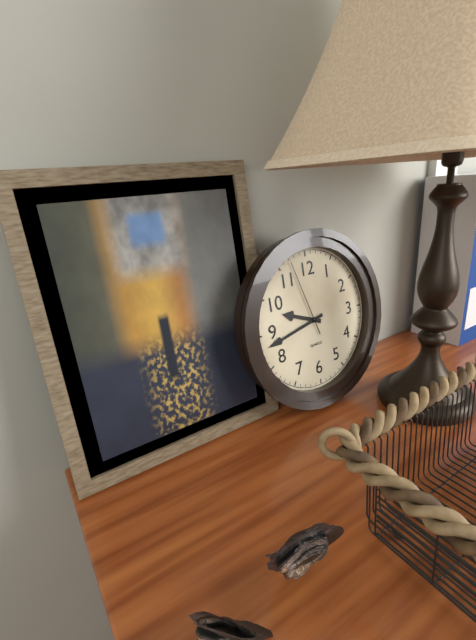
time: **9:43:57**
